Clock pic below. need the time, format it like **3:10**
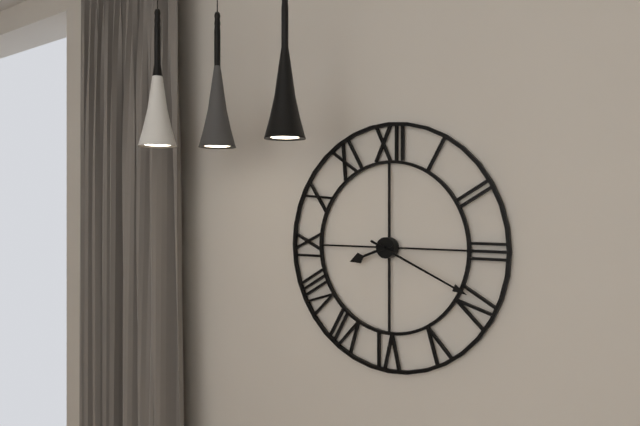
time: **8:19**
